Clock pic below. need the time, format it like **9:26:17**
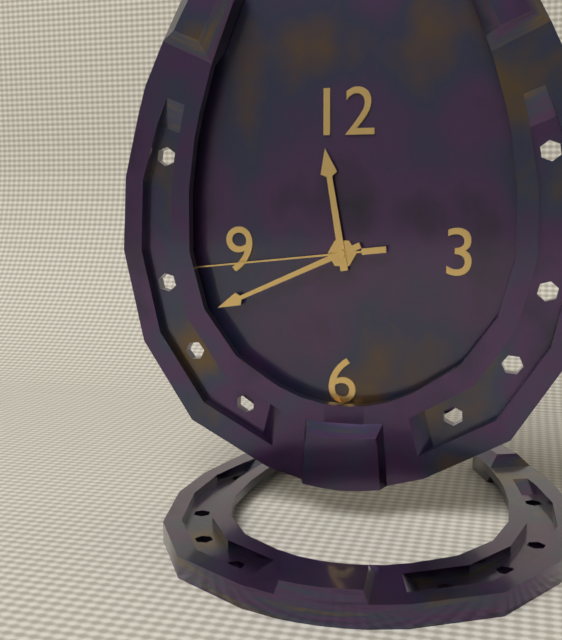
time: **11:41:44**
